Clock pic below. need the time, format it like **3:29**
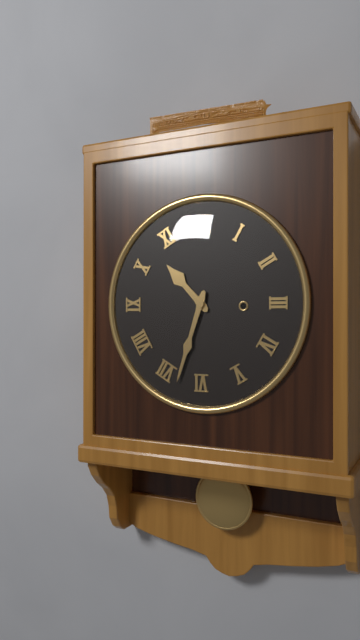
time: **10:33**
